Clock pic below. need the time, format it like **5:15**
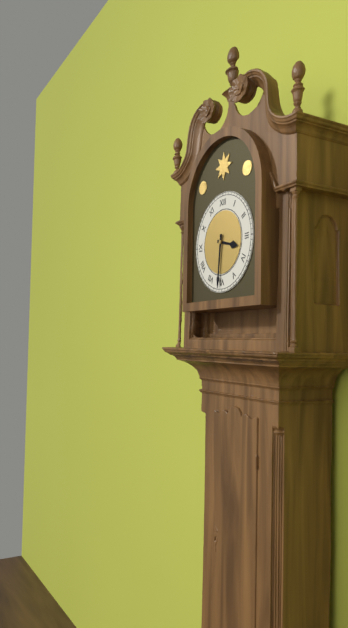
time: **3:31**
